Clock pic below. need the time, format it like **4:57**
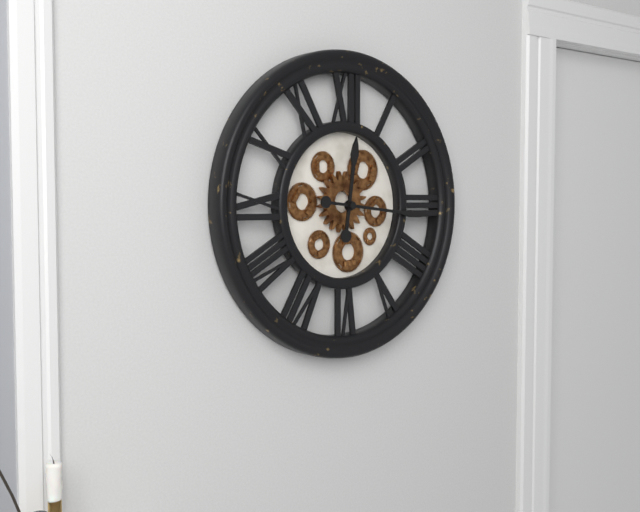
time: **12:16**
